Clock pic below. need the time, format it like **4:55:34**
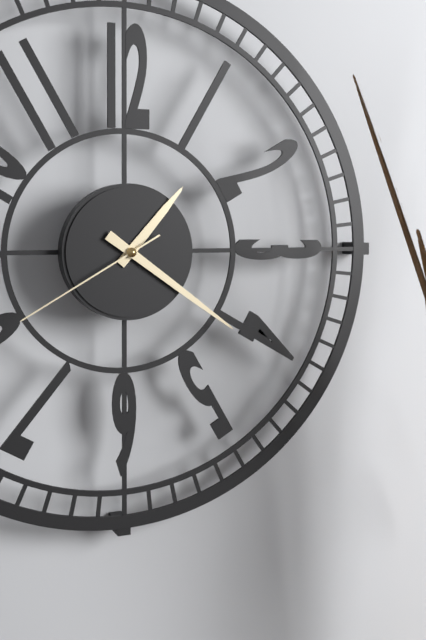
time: **1:21:40**
